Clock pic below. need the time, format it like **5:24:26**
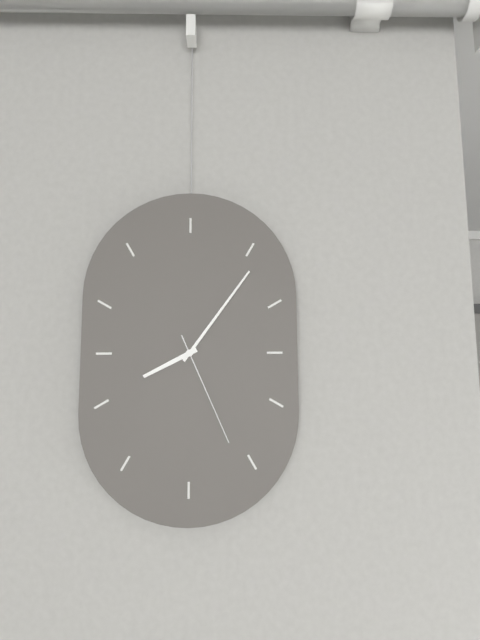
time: **8:06:26**
